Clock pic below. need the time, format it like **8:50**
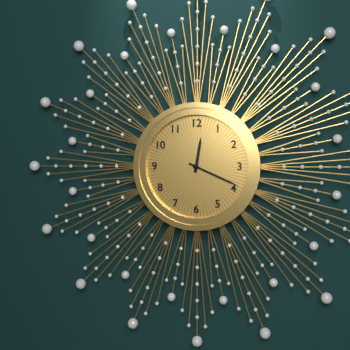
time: **12:19**
